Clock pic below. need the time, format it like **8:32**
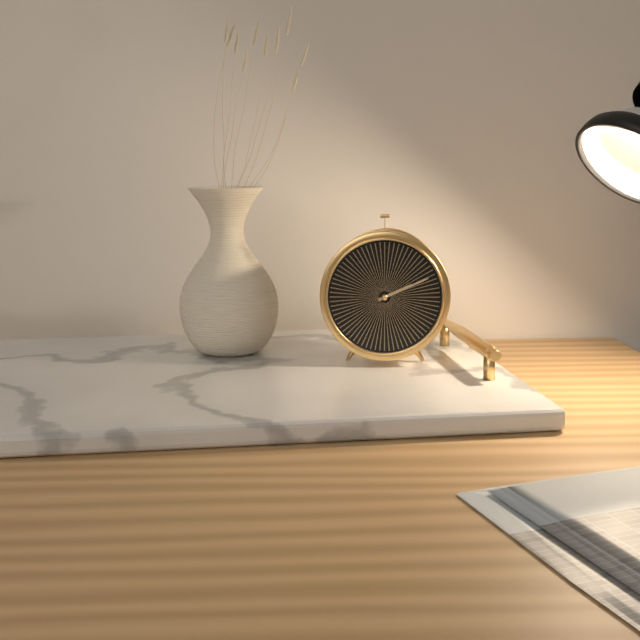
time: **2:11**
